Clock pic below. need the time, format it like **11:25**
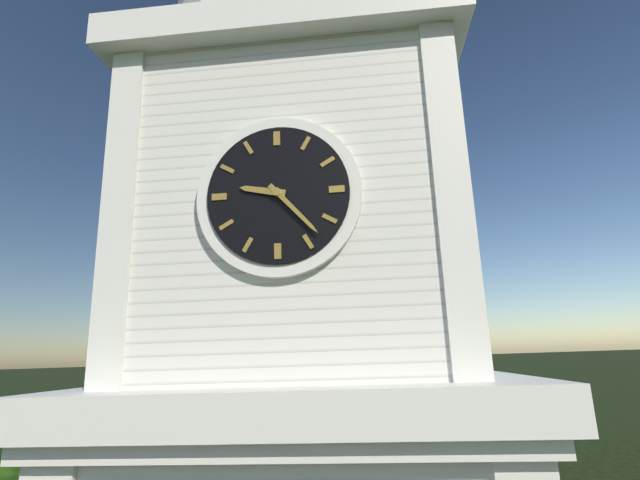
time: **9:23**
